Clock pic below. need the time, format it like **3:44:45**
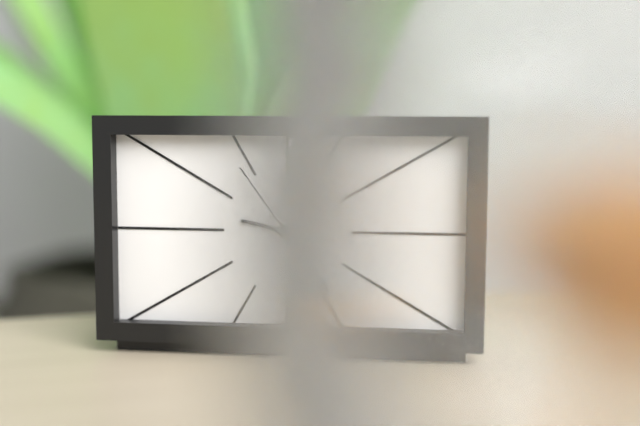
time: **9:24:54**
